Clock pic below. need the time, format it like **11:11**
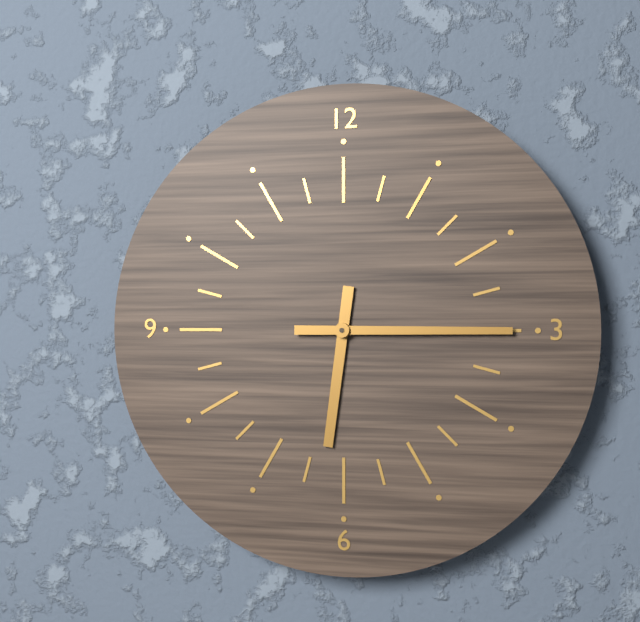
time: **6:15**
